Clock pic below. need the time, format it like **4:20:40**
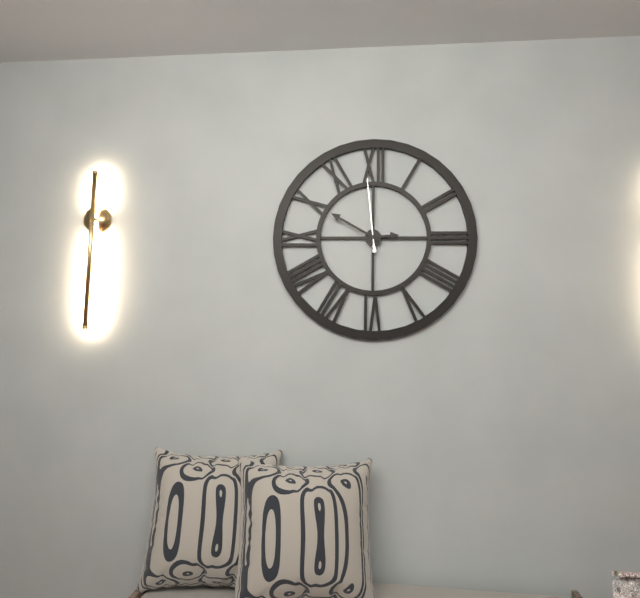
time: **2:50:59**
